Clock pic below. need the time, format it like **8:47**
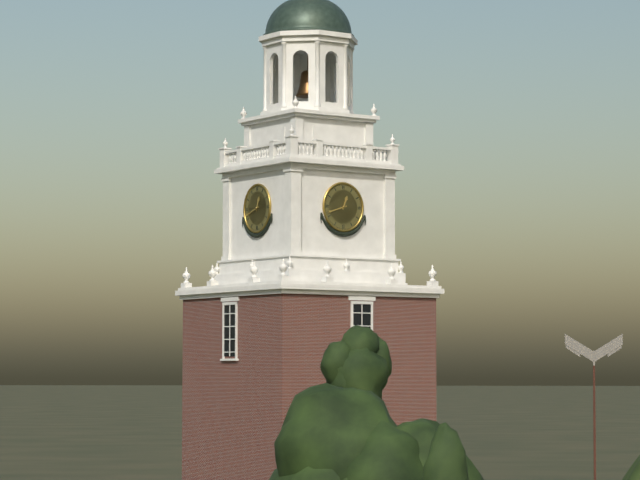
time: **12:42**
